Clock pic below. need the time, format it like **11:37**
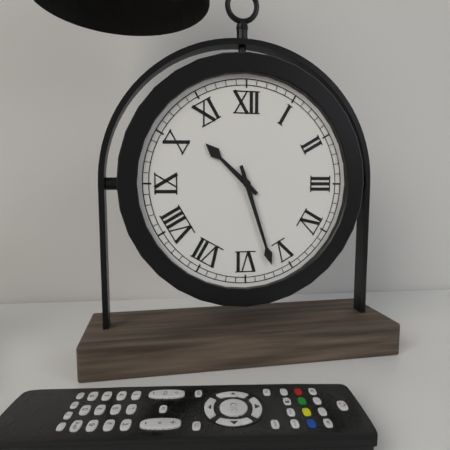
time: **10:27**
